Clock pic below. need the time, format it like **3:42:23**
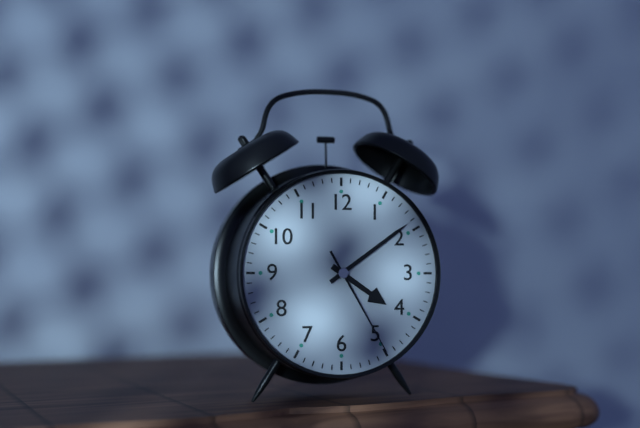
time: **4:09:25**
